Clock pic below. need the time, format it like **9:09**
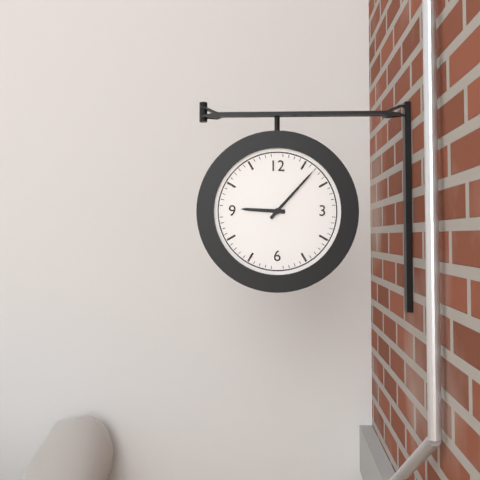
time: **9:07**
